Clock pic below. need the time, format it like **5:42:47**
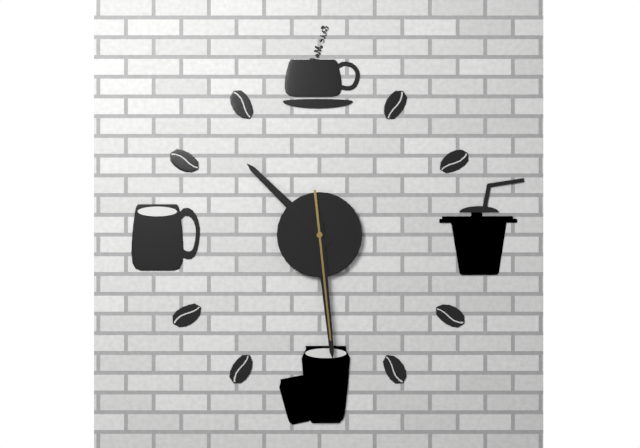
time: **10:29:29**
